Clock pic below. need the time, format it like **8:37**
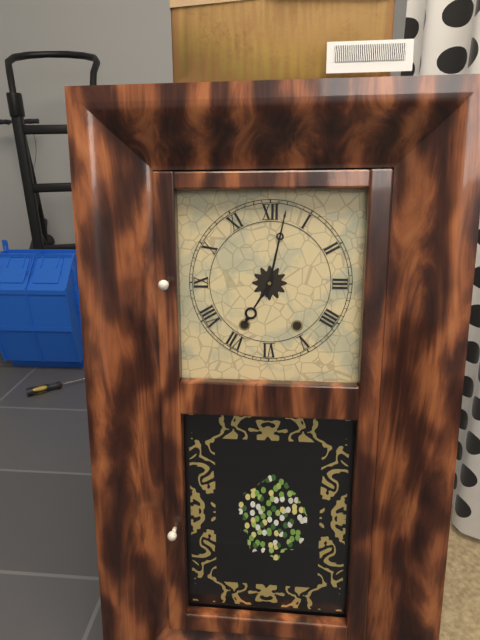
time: **7:02**
